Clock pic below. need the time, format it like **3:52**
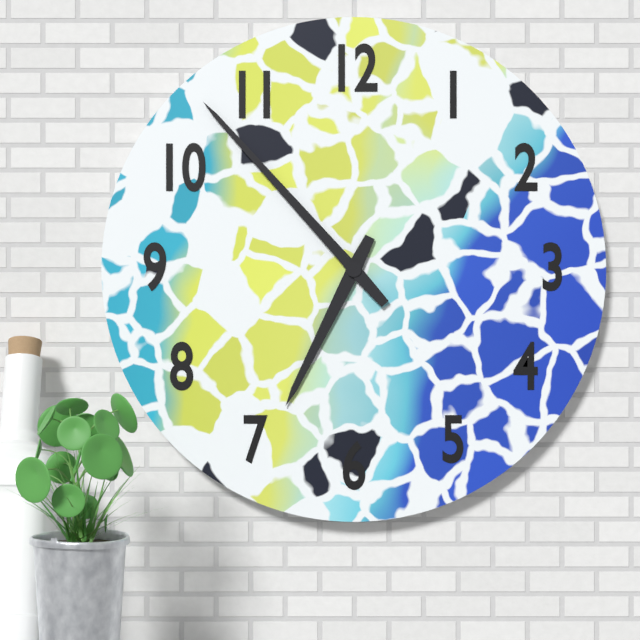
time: **6:53**
